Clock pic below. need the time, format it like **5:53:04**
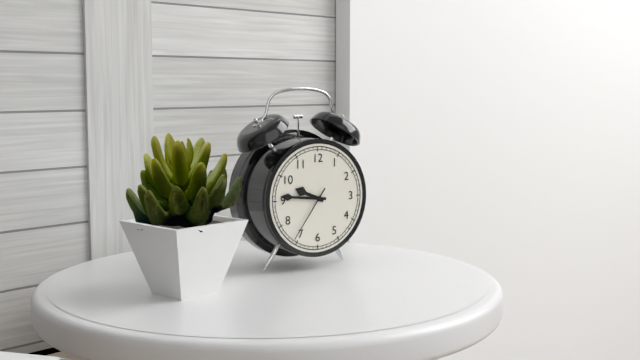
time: **9:46:36**
